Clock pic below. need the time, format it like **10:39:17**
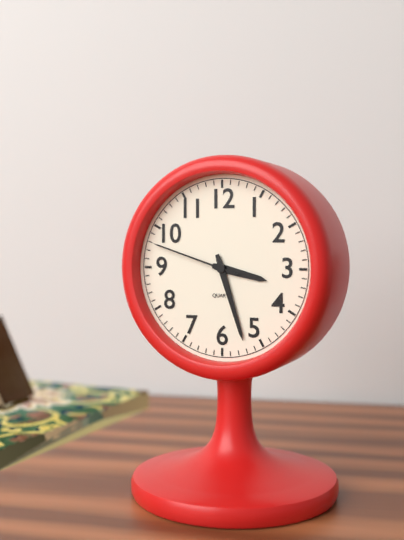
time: **3:27:48**
